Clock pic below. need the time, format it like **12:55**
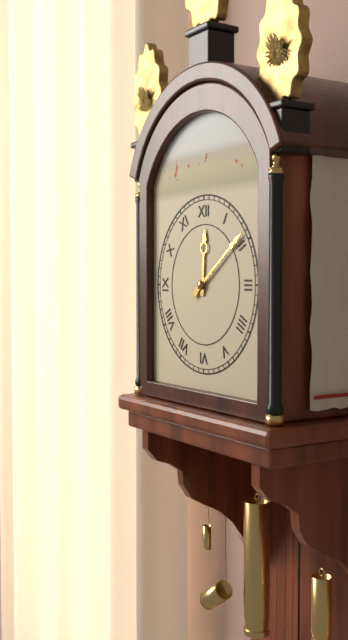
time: **12:09**
